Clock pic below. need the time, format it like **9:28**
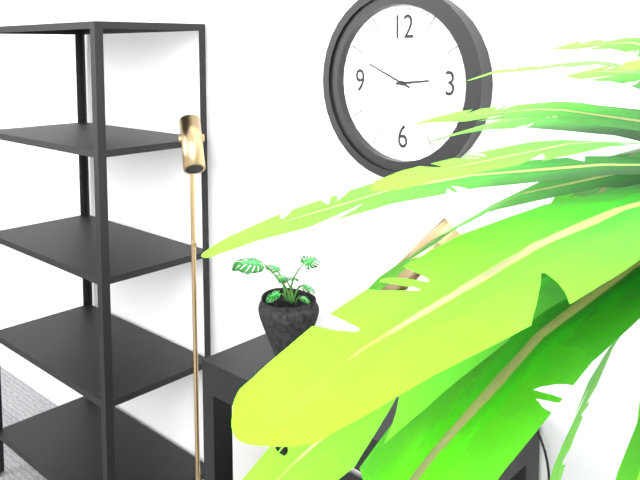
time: **2:49**
